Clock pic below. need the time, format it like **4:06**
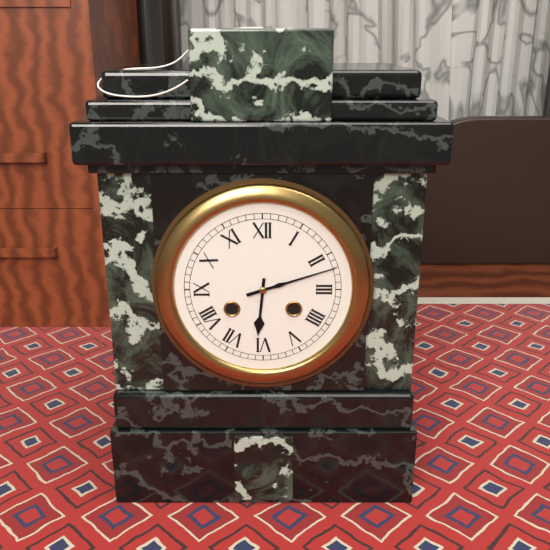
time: **6:12**
